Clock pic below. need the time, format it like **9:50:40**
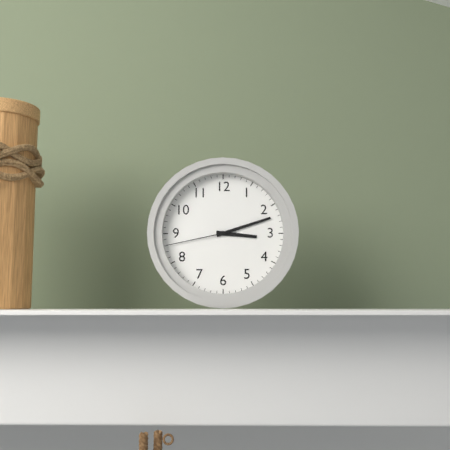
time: **3:12:43**
